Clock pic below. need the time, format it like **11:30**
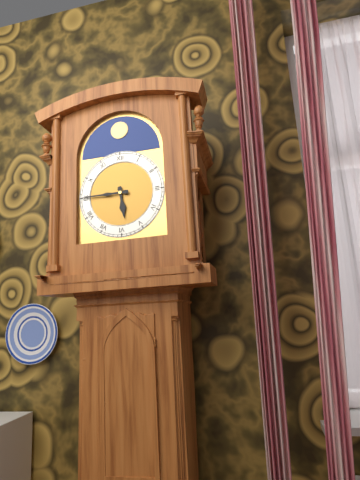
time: **5:45**
